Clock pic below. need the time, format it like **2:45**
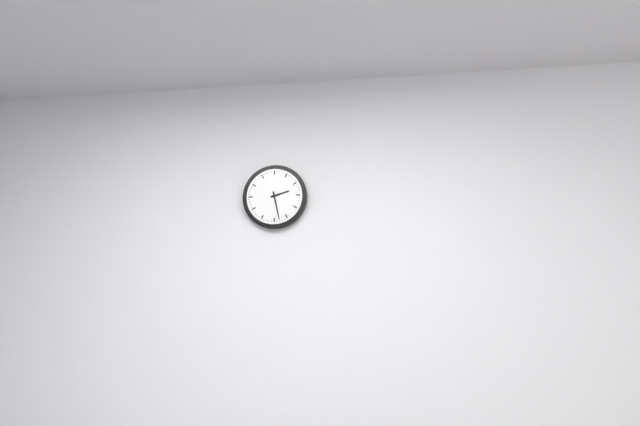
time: **2:28**
